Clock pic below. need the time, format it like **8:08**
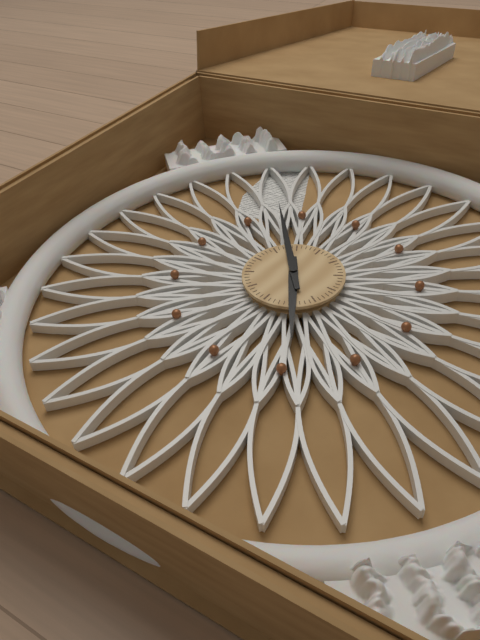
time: **4:53**
